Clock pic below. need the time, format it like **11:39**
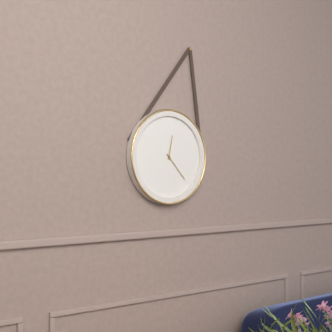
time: **12:23**
